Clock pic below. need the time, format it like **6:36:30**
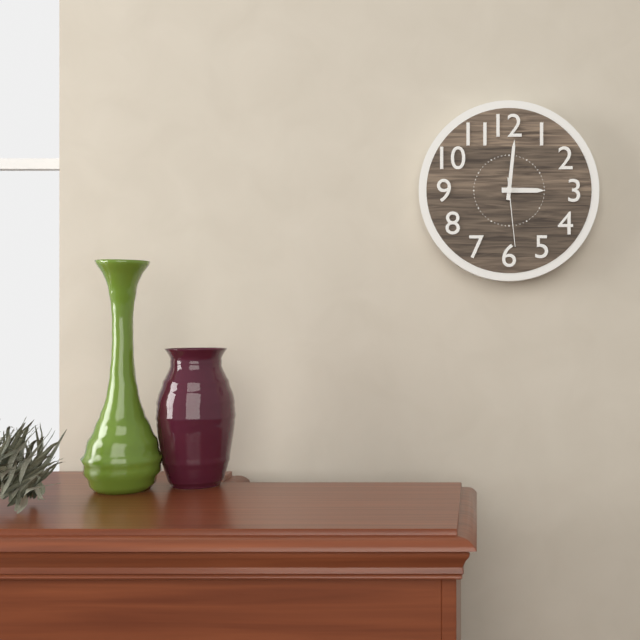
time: **3:01:29**
